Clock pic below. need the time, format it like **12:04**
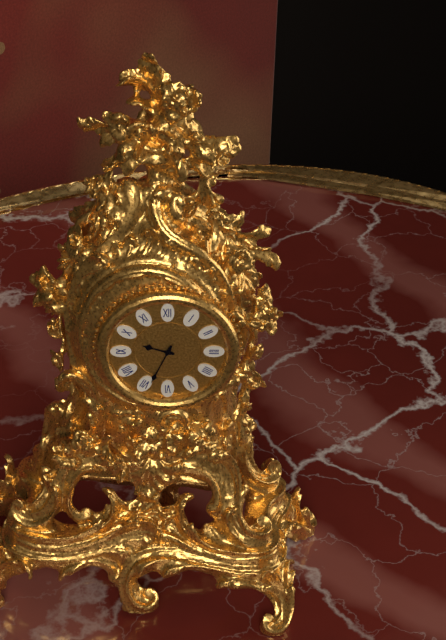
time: **9:34**
